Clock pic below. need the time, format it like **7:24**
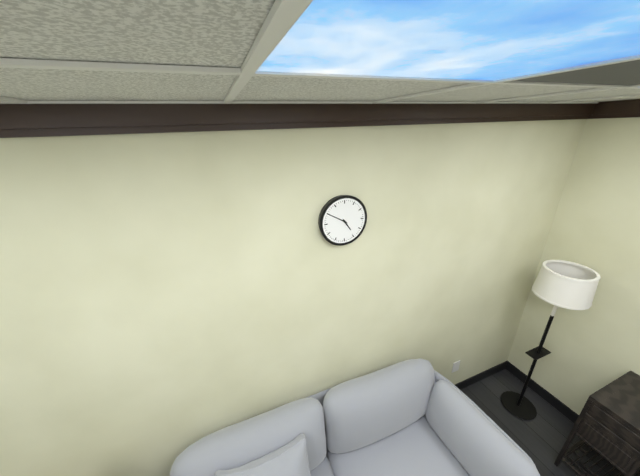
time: **4:50**
